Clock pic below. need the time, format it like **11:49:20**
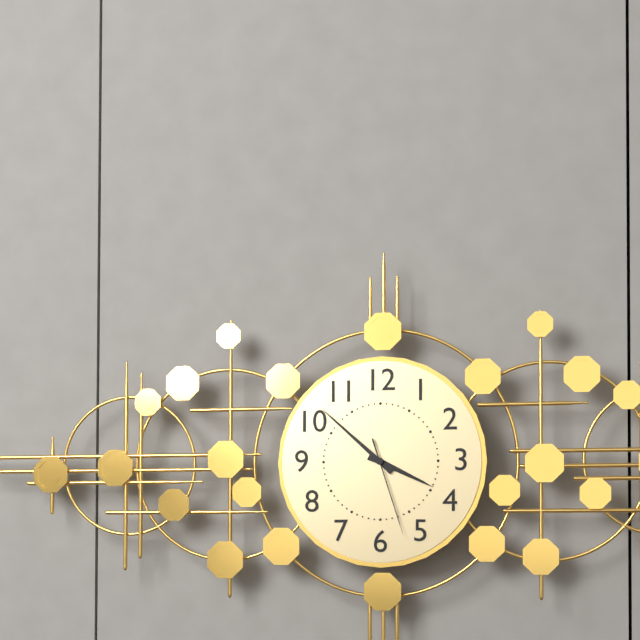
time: **3:52:27**
